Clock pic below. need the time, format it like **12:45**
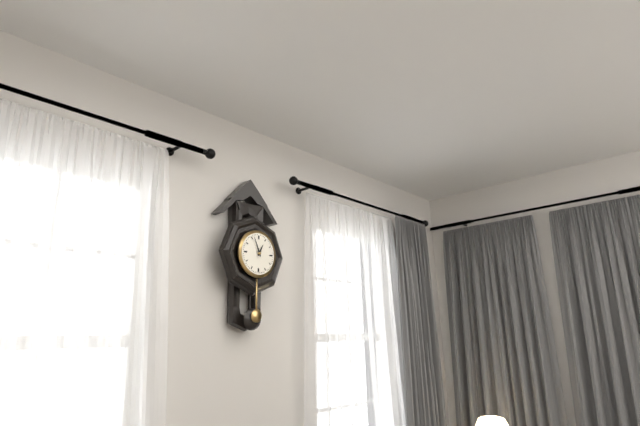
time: **12:56**
